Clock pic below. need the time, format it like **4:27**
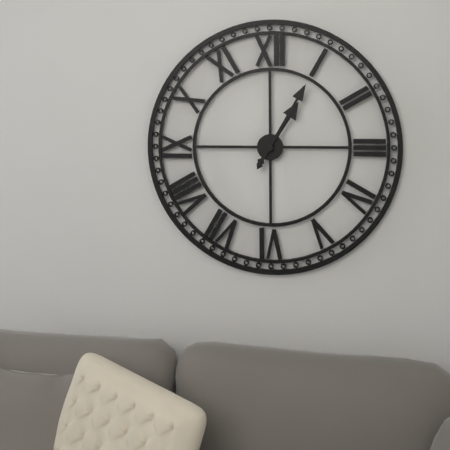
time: **1:05**
